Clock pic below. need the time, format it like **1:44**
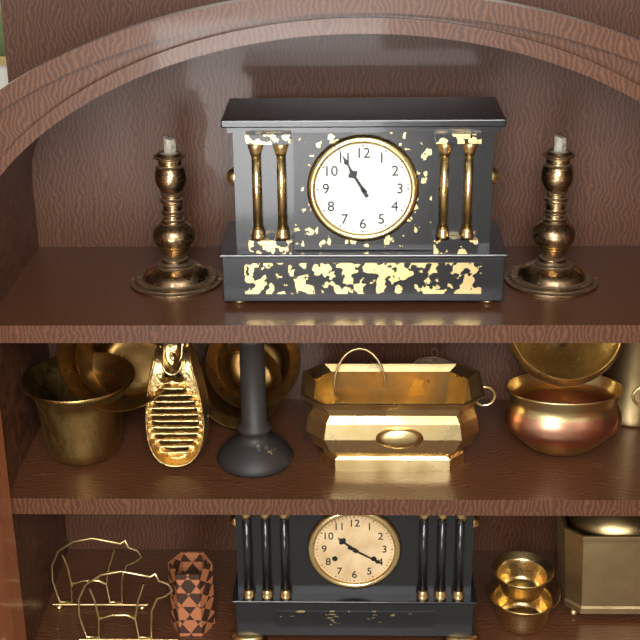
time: **10:55**
